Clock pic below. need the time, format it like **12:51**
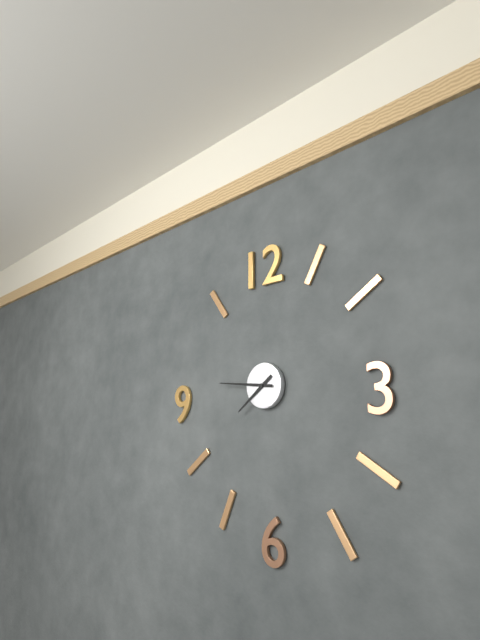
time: **7:46**
